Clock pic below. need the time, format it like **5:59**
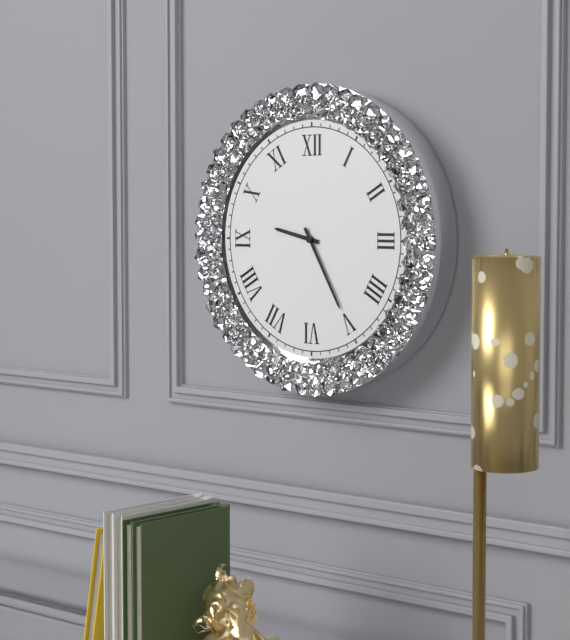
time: **9:25**
